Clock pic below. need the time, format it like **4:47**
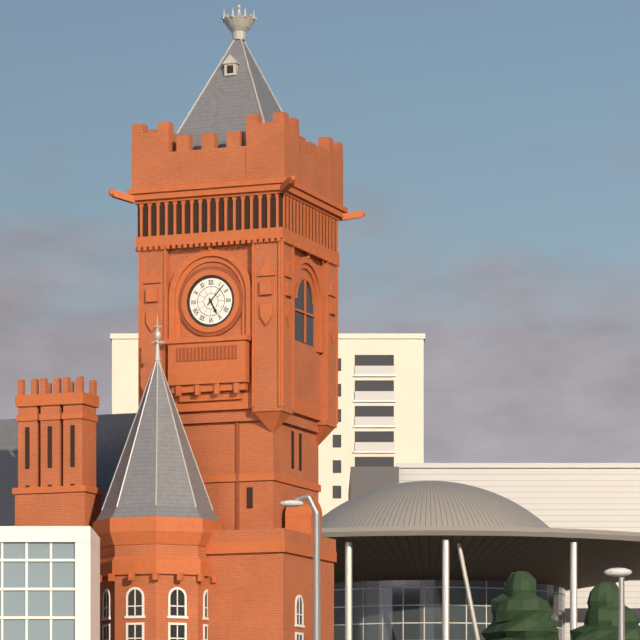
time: **5:07**
